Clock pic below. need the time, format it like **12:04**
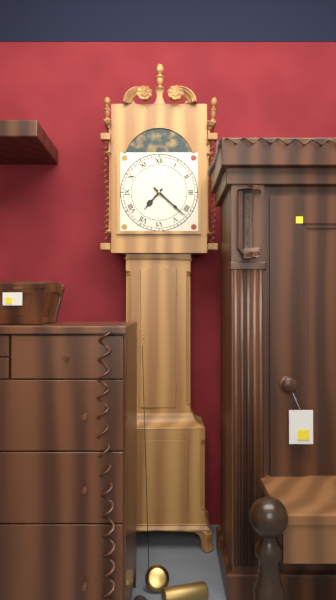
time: **7:22**
